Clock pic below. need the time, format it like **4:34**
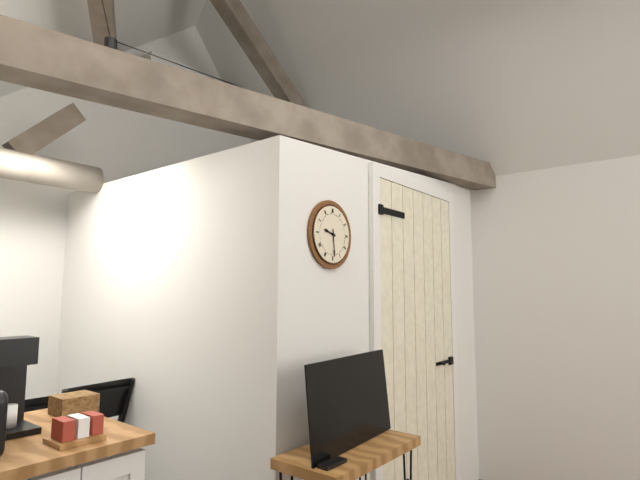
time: **9:29**
